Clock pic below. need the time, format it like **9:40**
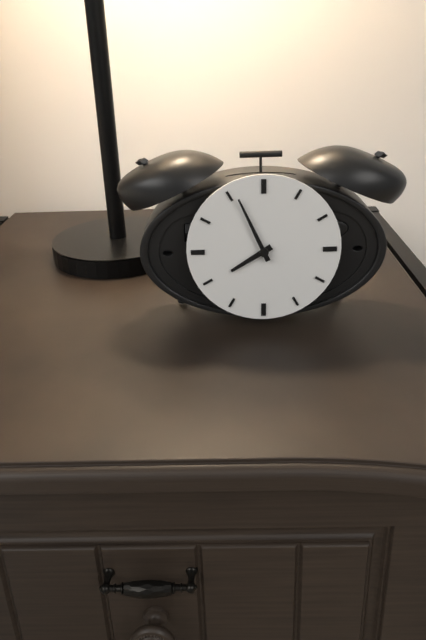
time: **7:56**
